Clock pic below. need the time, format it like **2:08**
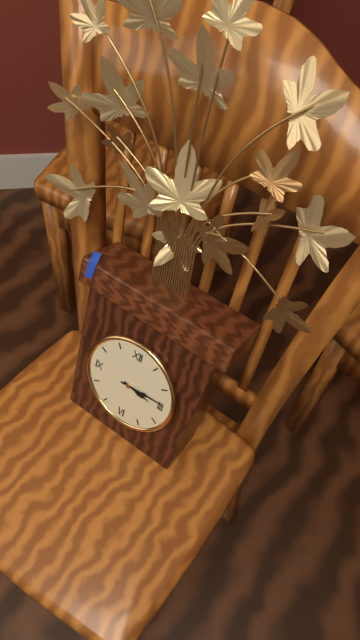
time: **3:14**
